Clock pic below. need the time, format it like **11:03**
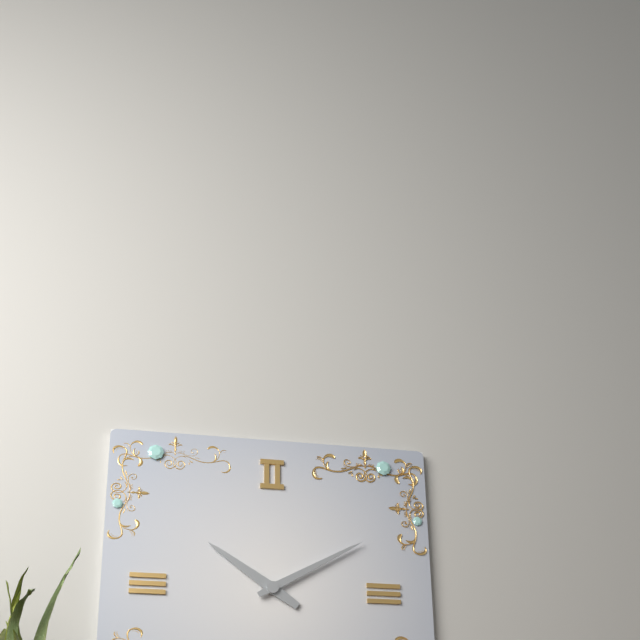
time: **10:10**
